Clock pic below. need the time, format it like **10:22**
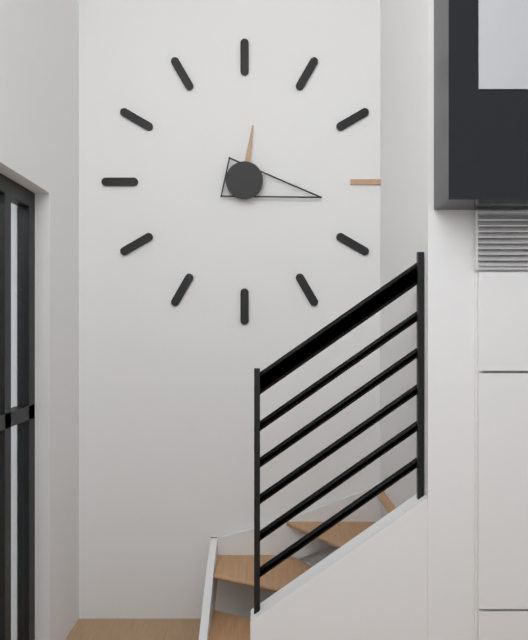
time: **12:17**
